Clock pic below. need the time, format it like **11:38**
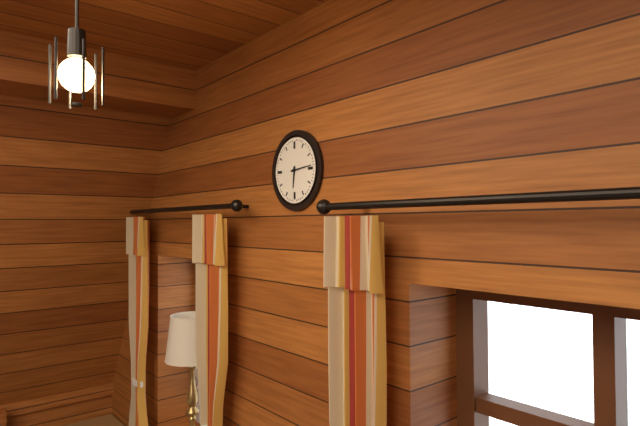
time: **6:14**
